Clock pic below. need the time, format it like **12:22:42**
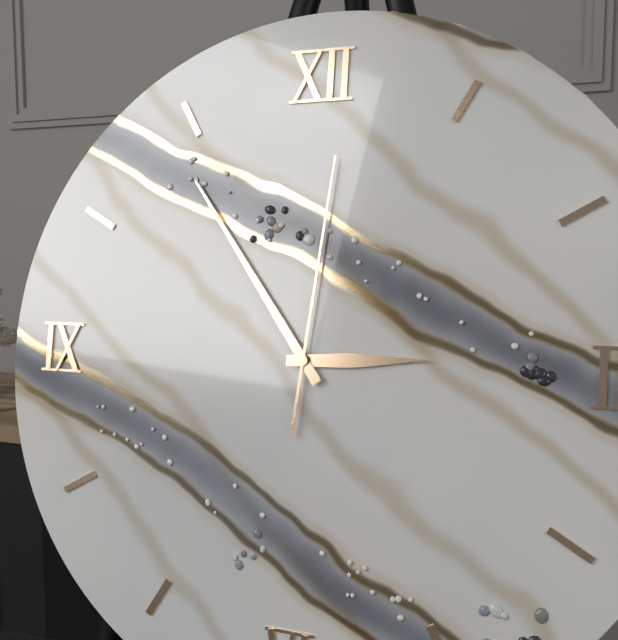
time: **2:54:01**
